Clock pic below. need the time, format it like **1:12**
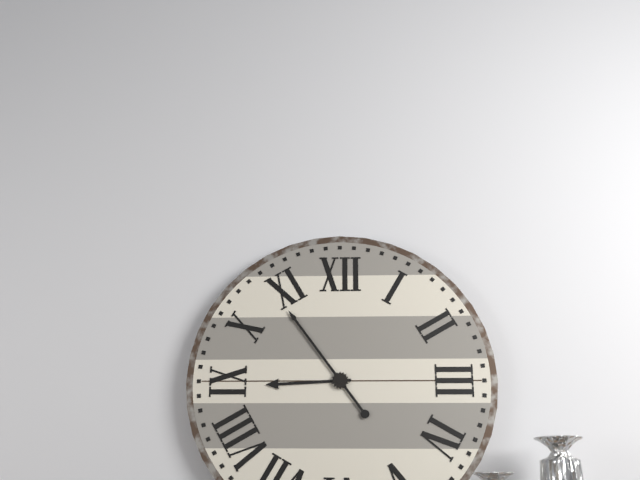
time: **8:54**
